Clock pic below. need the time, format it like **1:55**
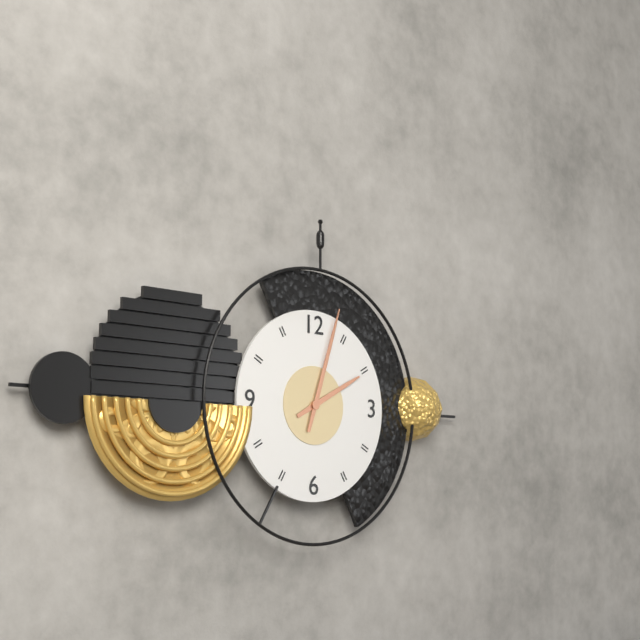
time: **2:03**
